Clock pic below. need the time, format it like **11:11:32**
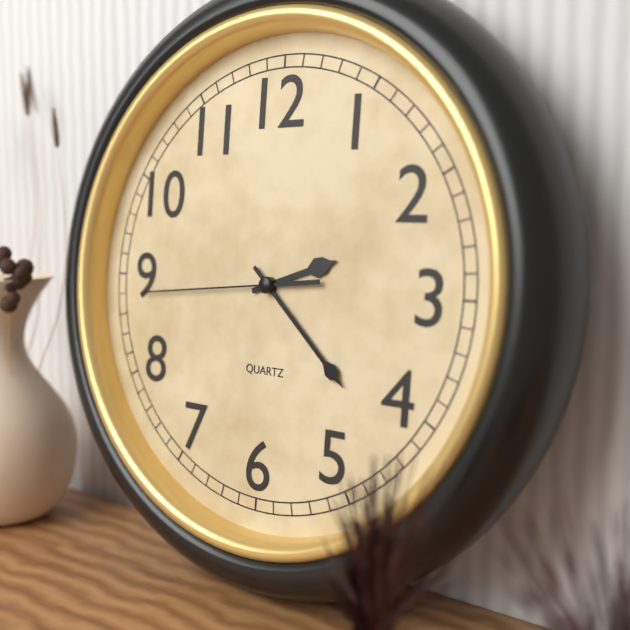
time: **2:22:44**
